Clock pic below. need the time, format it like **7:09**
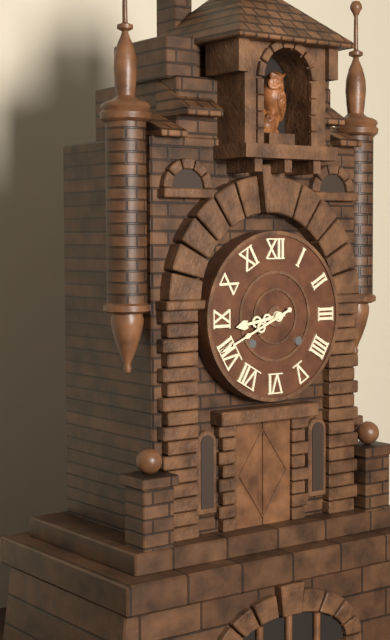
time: **8:41**
